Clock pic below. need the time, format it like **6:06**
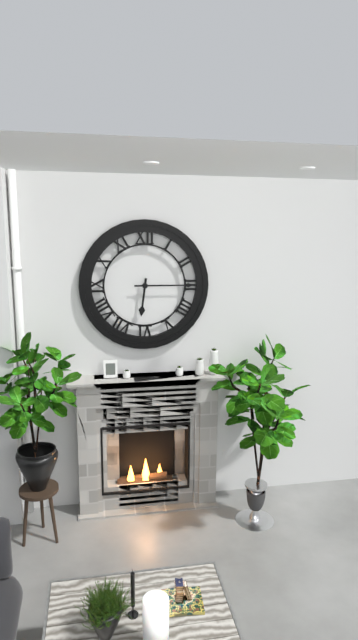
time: **6:15**
